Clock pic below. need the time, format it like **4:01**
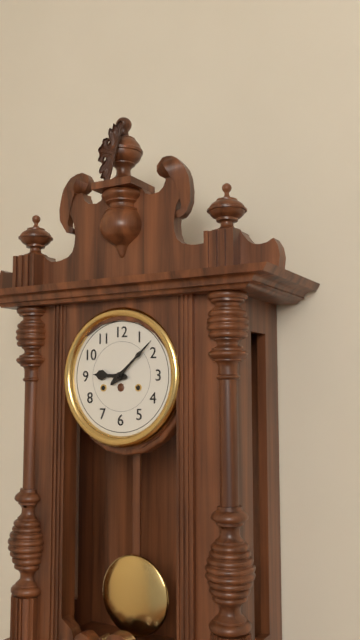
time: **9:08**
